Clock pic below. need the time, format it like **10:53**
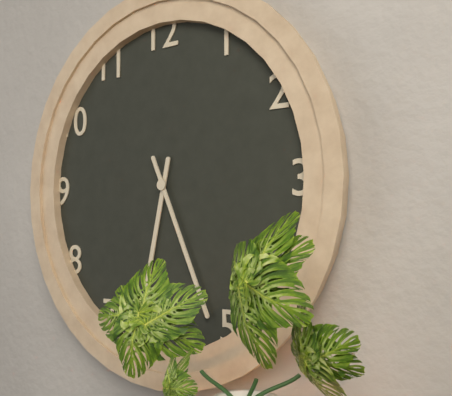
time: **6:26**
